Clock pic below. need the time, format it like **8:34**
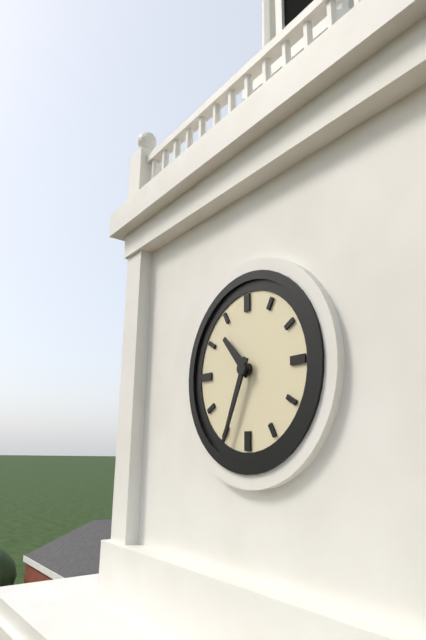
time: **10:34**
